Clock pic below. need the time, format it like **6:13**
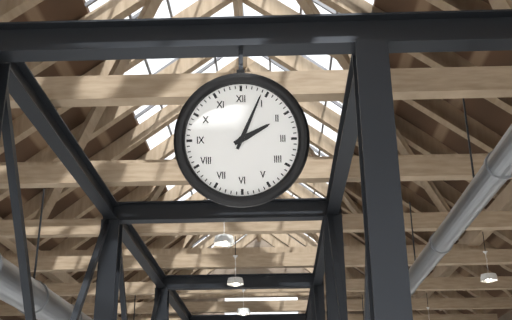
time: **2:04**
